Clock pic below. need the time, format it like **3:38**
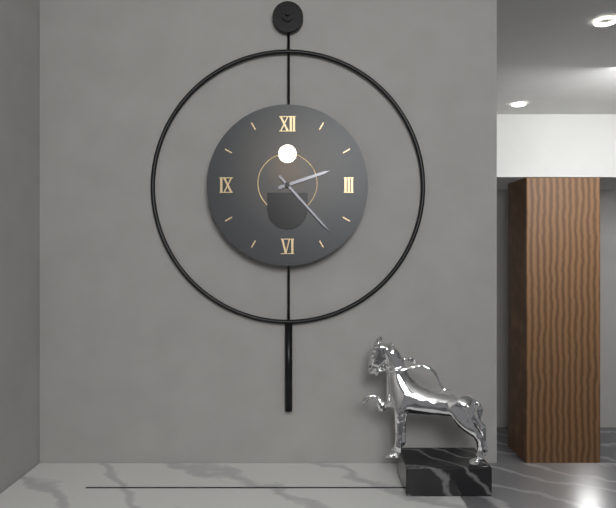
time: **2:23**
